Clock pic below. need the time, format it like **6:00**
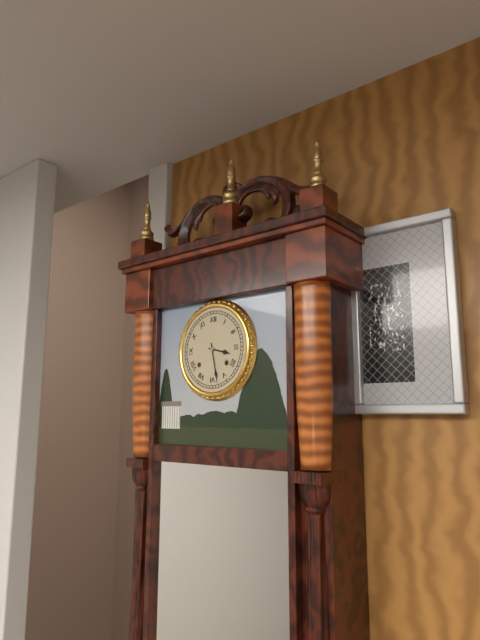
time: **3:28**
